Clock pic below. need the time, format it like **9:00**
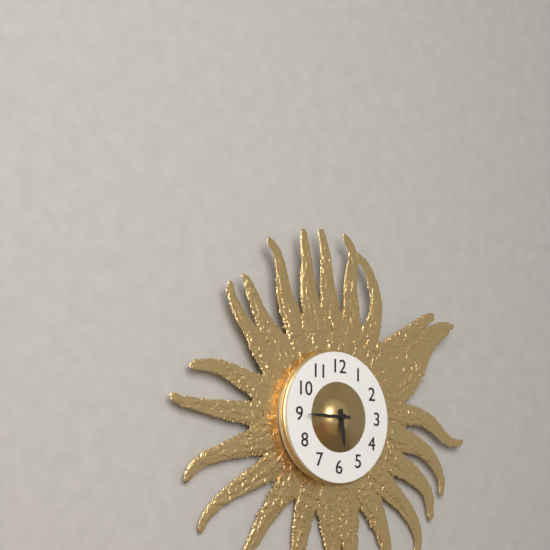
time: **5:45**
